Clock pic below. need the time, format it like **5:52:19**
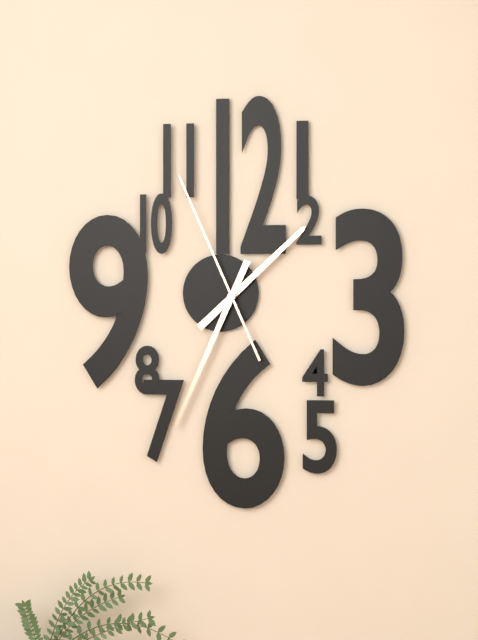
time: **1:34:56**
